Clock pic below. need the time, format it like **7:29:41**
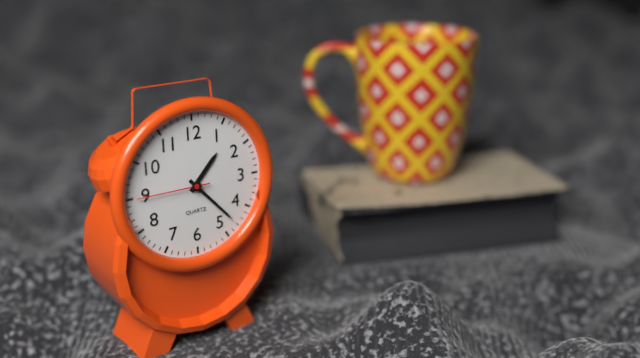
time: **1:23:45**
